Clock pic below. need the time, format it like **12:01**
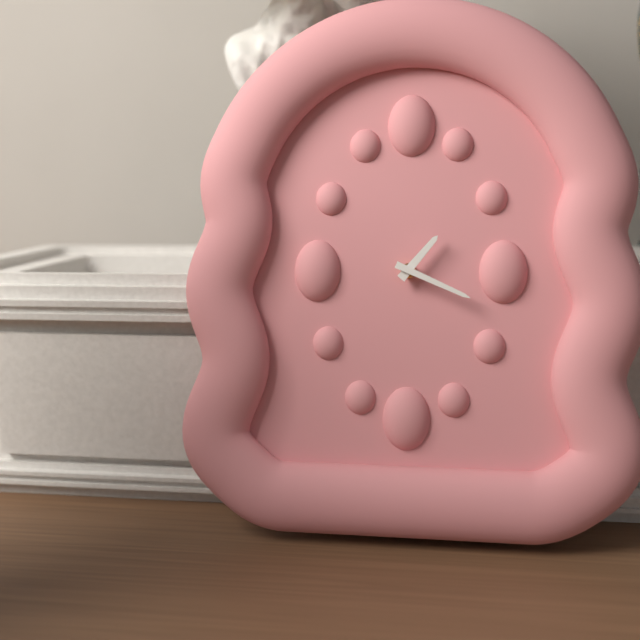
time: **1:19**
